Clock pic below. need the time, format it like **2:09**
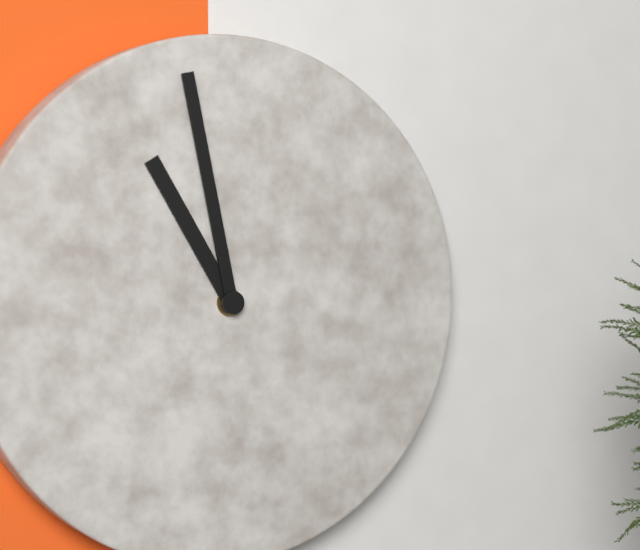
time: **10:58**
